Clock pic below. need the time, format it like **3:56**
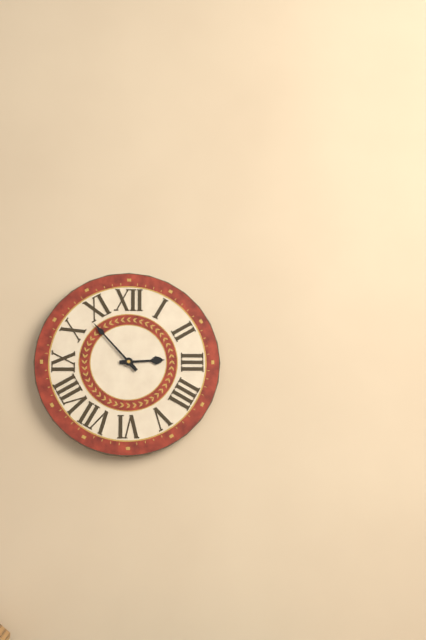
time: **2:53**
